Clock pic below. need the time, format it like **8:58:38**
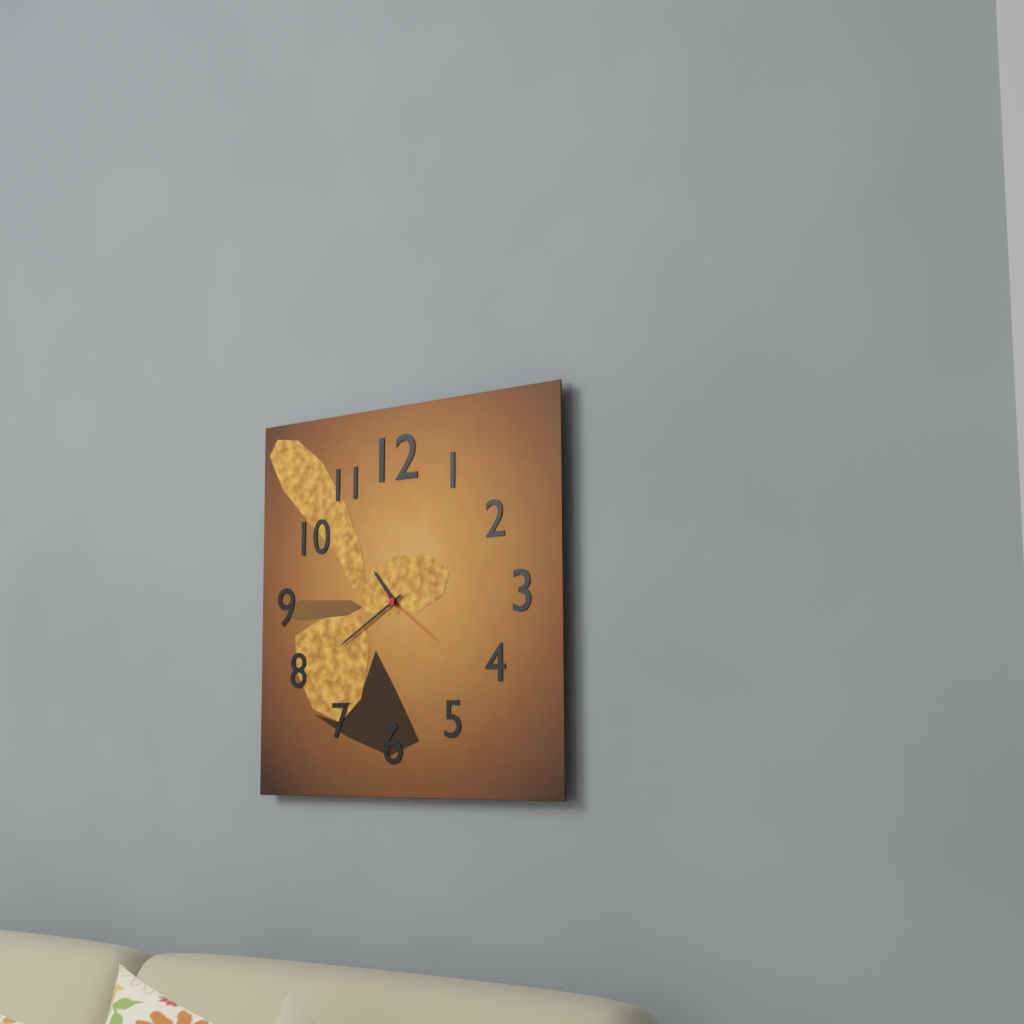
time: **10:40:21**
